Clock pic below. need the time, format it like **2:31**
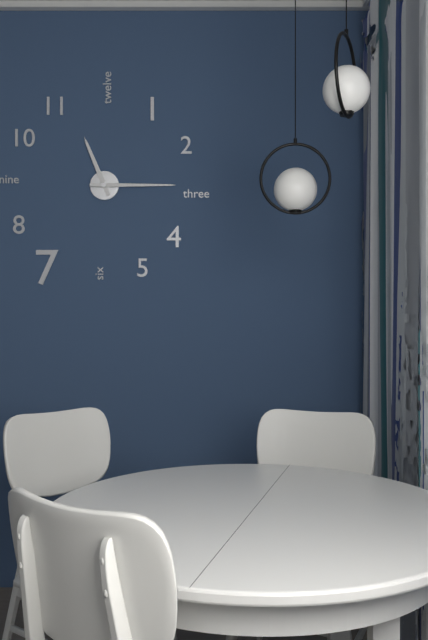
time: **11:15**
